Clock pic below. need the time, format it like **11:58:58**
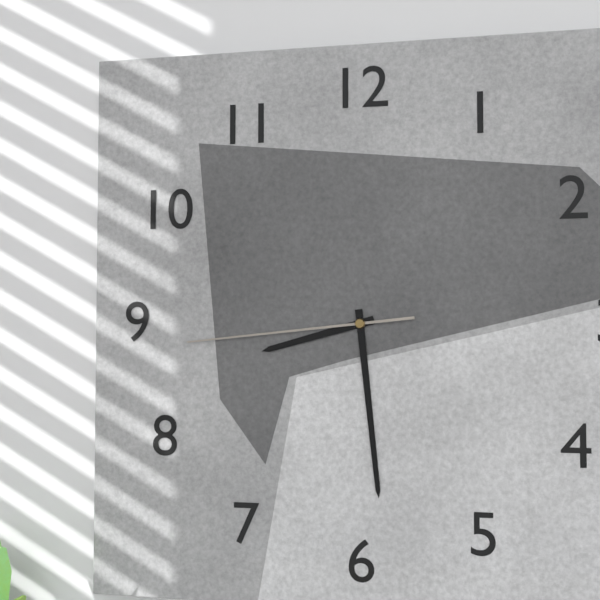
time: **8:29:44**
